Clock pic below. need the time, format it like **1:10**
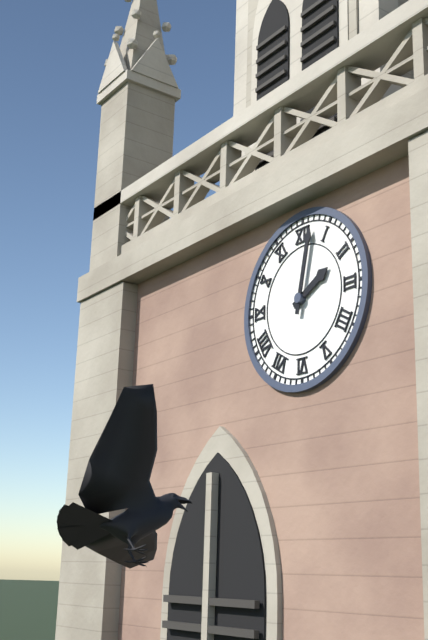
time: **2:02**
